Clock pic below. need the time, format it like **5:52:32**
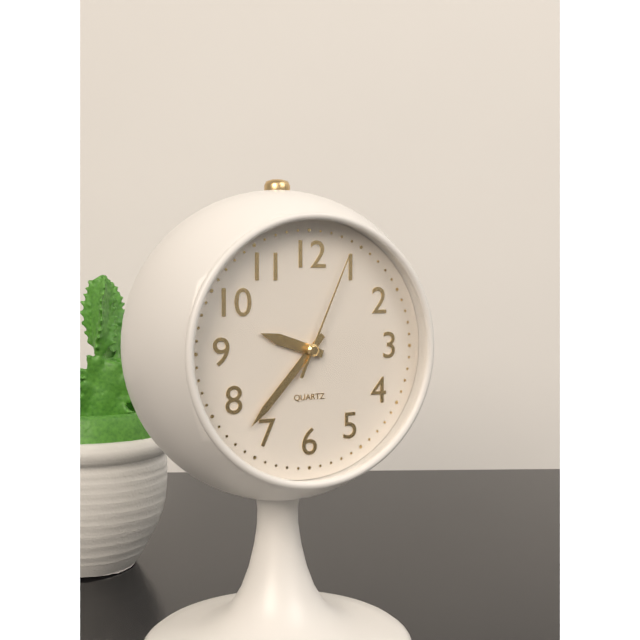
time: **9:37:04**
